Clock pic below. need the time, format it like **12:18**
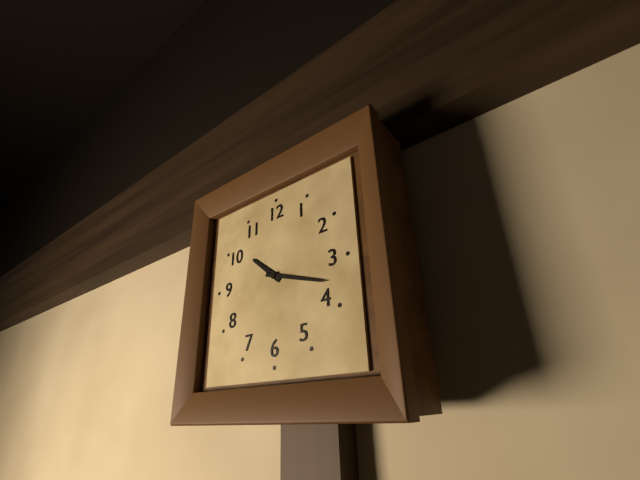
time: **10:18**
